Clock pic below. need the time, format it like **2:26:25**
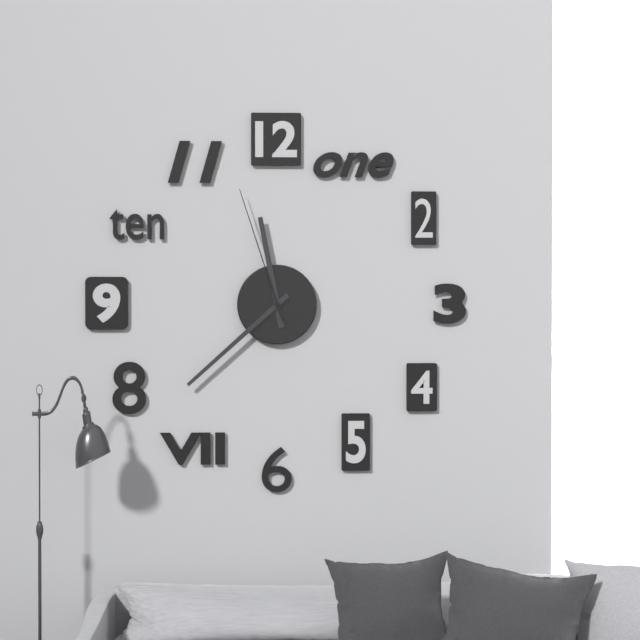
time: **11:38:57**
